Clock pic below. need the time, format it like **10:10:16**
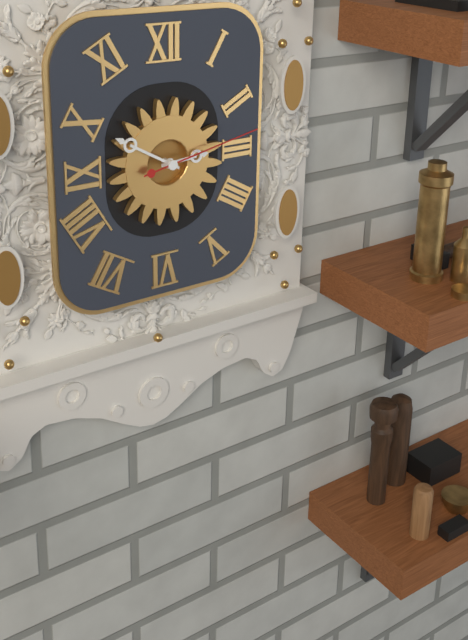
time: **2:50:13**
